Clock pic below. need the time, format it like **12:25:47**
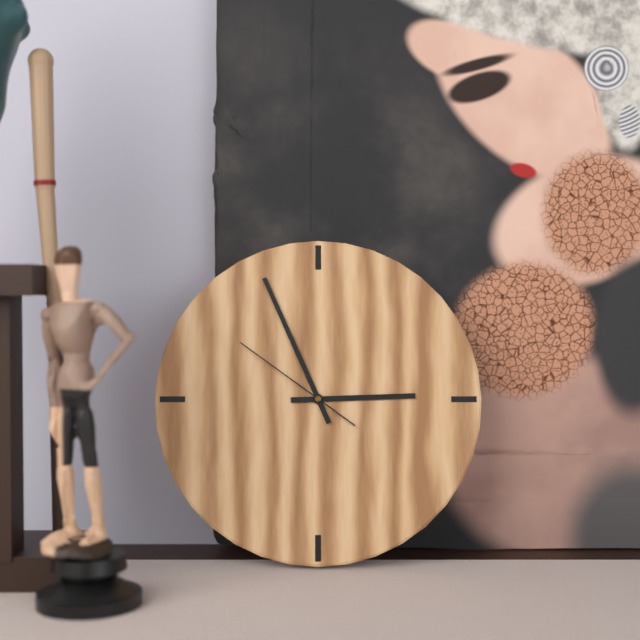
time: **2:56:51**
